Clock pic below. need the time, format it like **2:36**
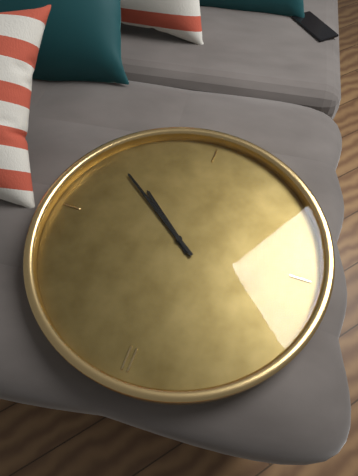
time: **4:21**
